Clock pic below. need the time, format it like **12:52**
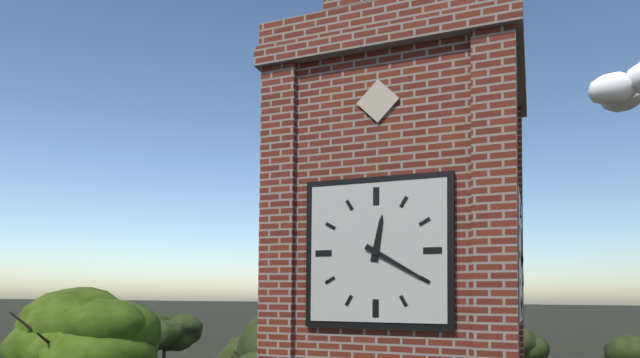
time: **12:20**
